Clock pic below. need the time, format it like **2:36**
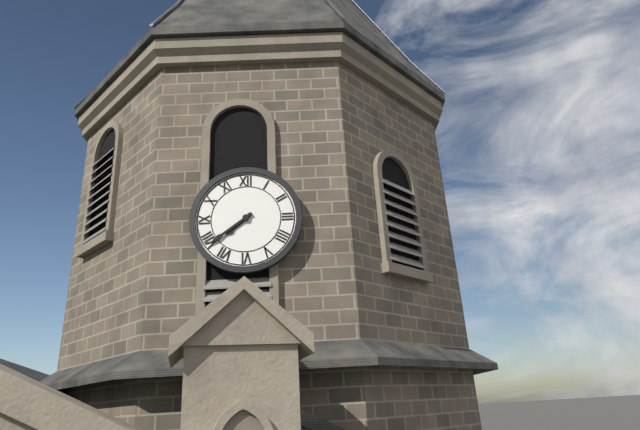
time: **7:39**
